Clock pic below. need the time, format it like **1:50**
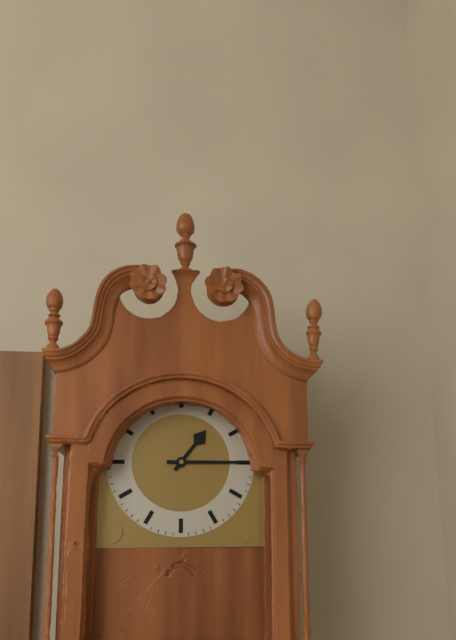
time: **1:15**
